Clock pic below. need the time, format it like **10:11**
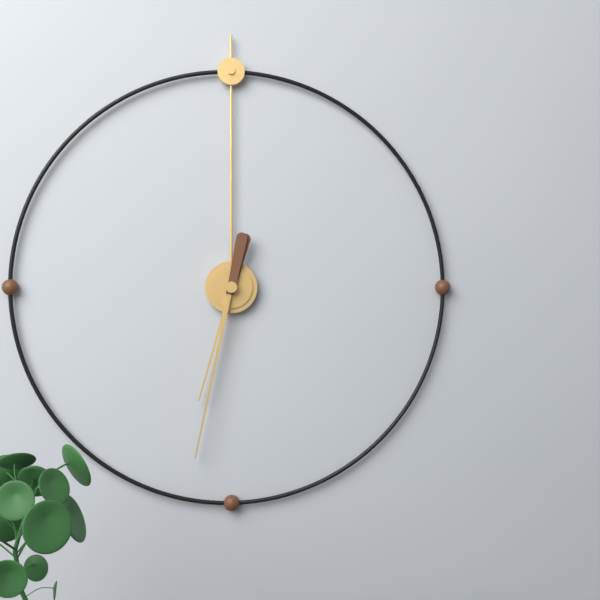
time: **6:32**
